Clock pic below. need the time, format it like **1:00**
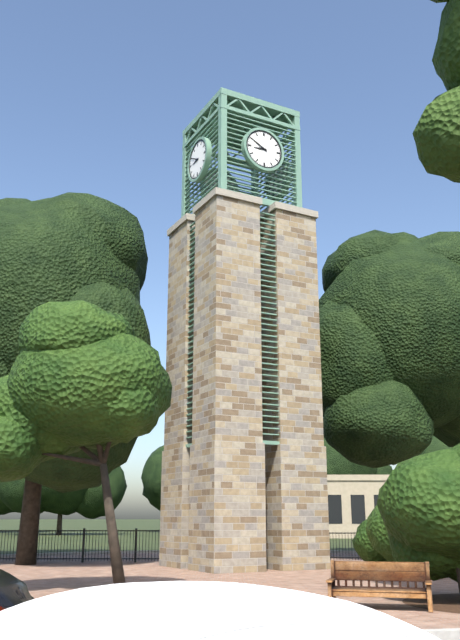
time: **8:50**
